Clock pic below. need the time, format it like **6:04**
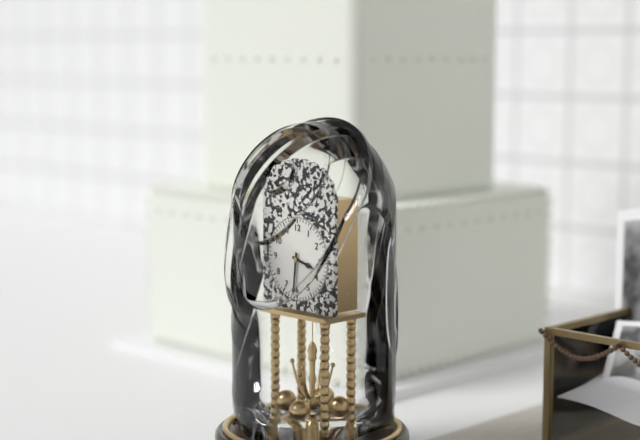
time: **3:31**
